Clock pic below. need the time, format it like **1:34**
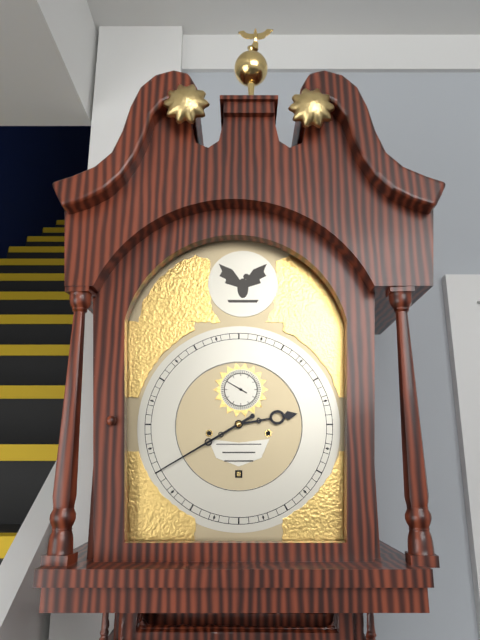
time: **2:40**
